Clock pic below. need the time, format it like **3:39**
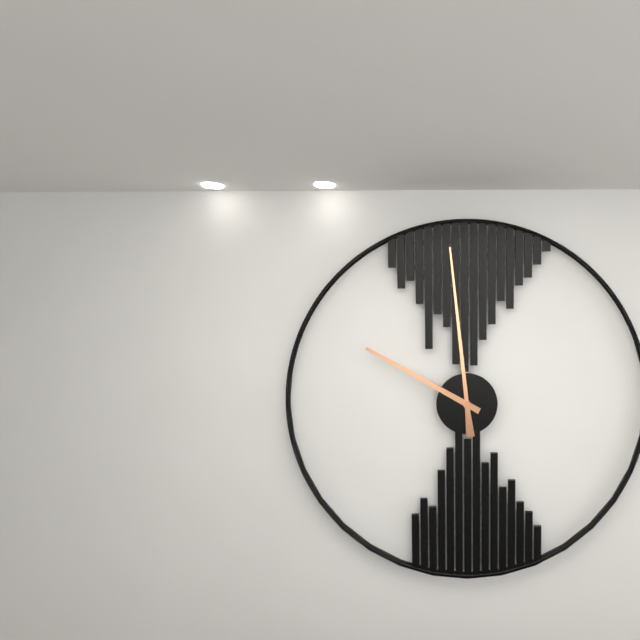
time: **9:59**
